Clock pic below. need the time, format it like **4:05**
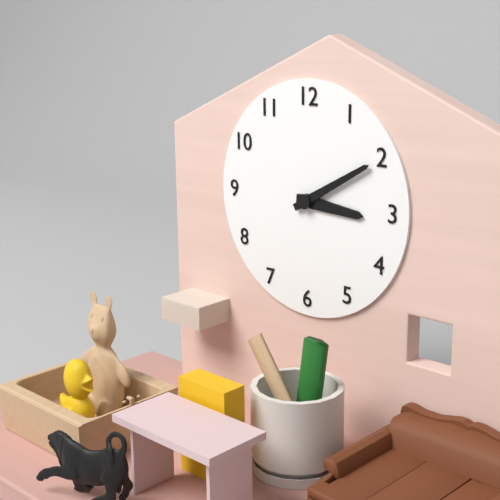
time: **3:10**
